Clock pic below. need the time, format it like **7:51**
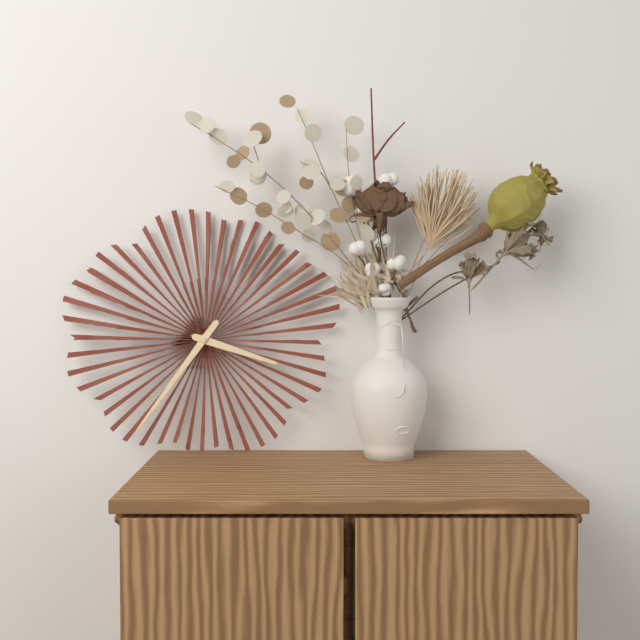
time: **3:36**
